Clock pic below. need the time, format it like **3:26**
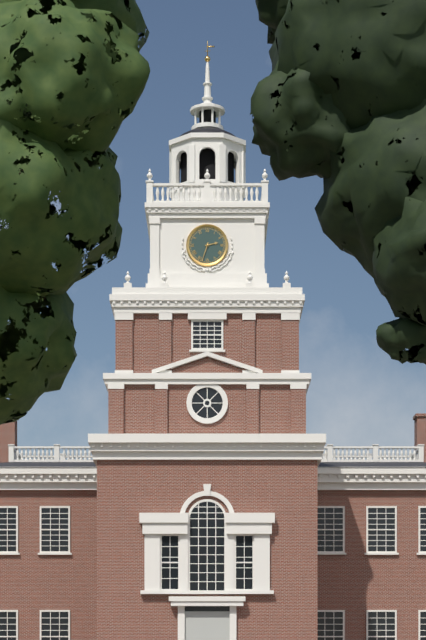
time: **2:33**
